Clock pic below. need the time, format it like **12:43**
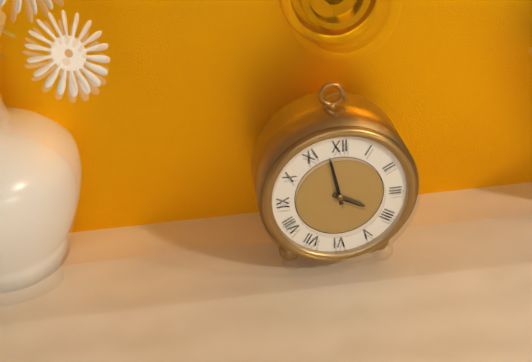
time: **3:58**
